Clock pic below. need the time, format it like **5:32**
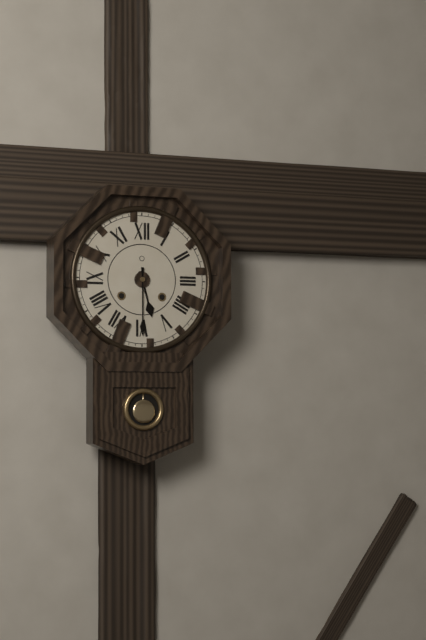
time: **5:30**
